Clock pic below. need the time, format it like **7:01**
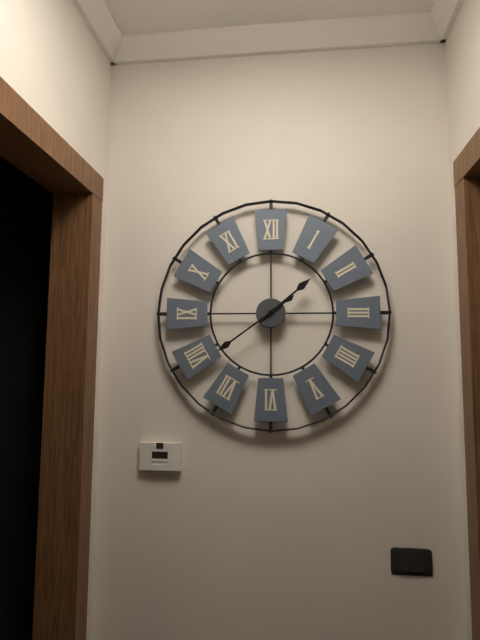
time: **1:39**
